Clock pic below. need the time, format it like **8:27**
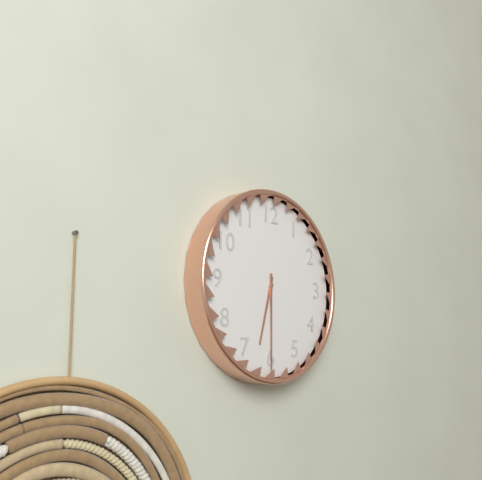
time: **6:30**
